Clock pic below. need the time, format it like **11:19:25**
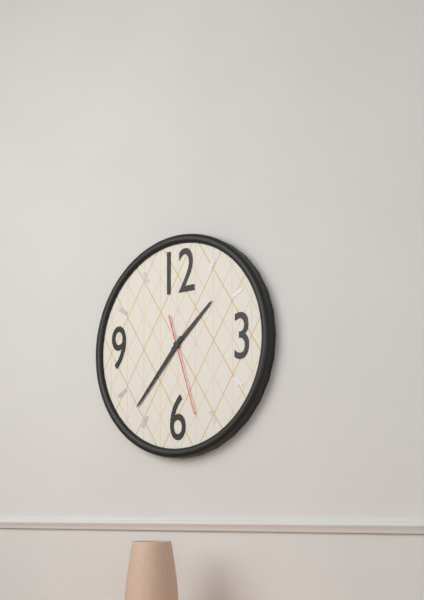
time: **1:37:27**
